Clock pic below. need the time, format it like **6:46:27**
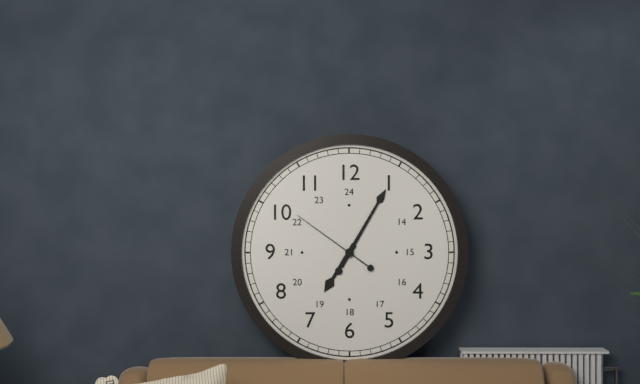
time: **7:05:51**
